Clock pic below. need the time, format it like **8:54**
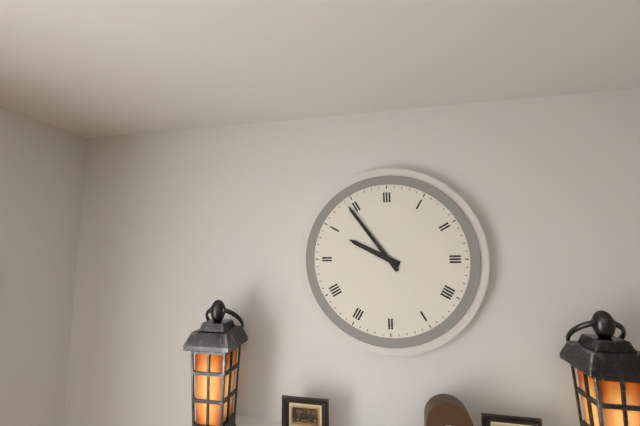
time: **9:54**
